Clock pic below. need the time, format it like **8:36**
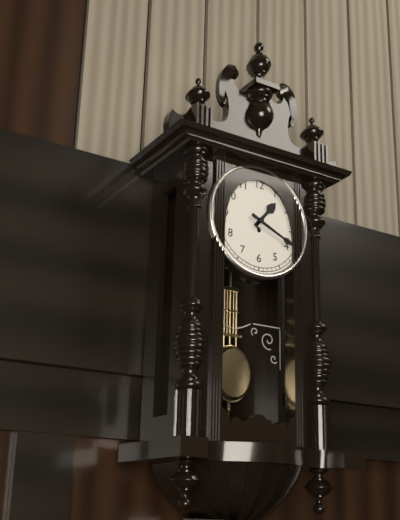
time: **1:19**
